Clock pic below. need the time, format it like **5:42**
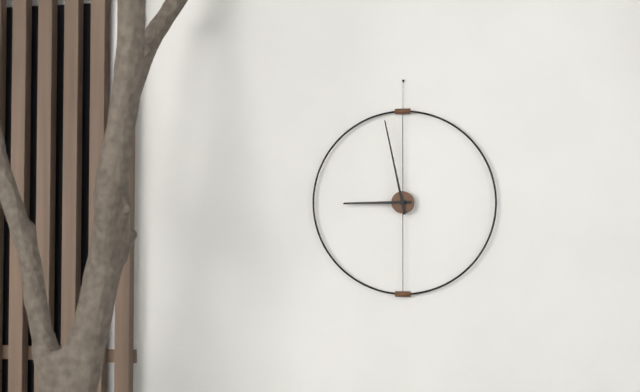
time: **8:58**
